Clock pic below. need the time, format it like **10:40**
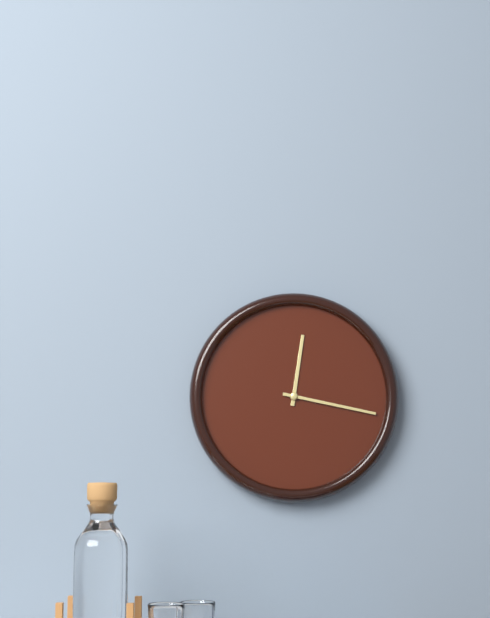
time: **12:17**
